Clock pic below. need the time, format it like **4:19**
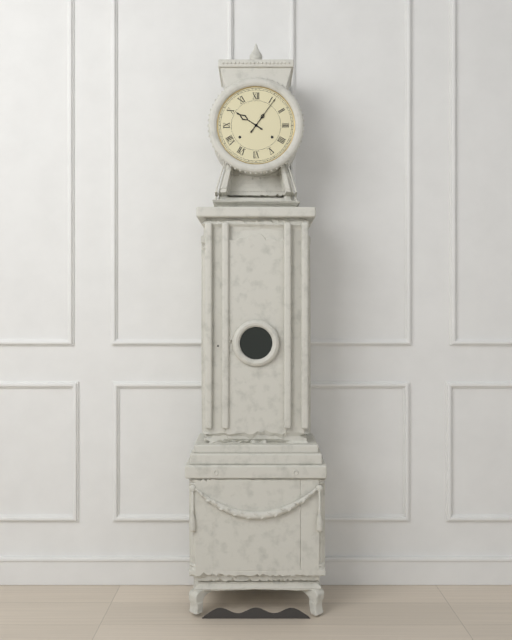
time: **10:06**
